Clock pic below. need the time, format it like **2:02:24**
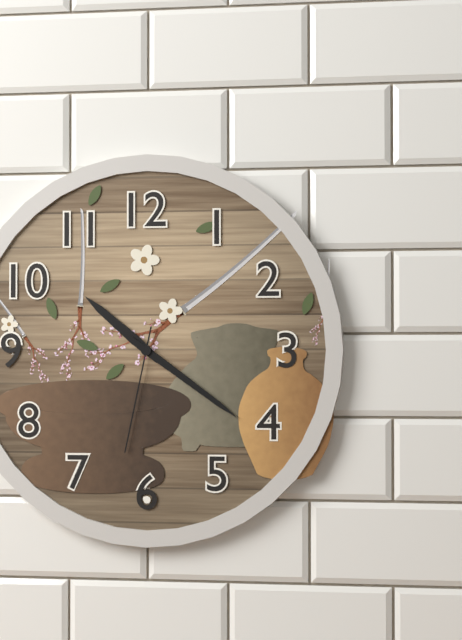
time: **10:21:32**
